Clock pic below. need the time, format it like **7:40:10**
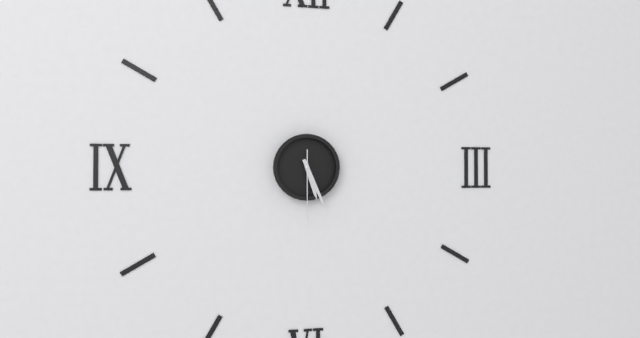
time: **5:26:30**
